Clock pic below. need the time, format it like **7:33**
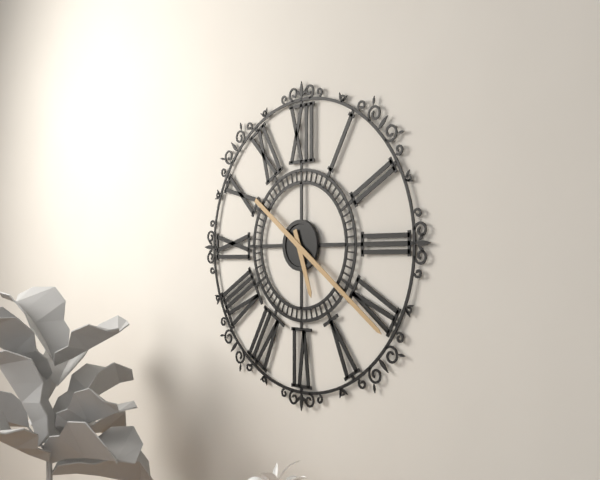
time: **5:21**
